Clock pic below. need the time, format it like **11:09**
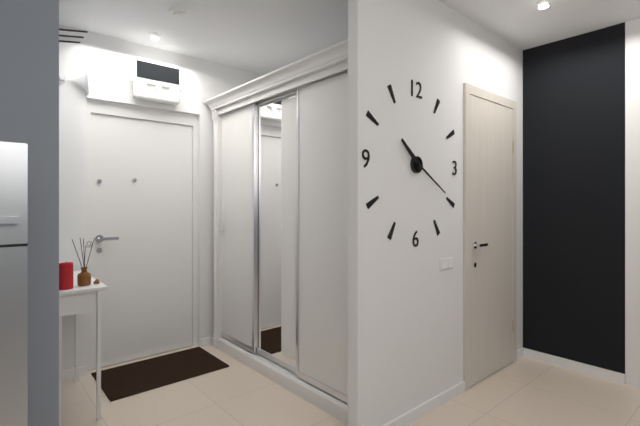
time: **10:20**
